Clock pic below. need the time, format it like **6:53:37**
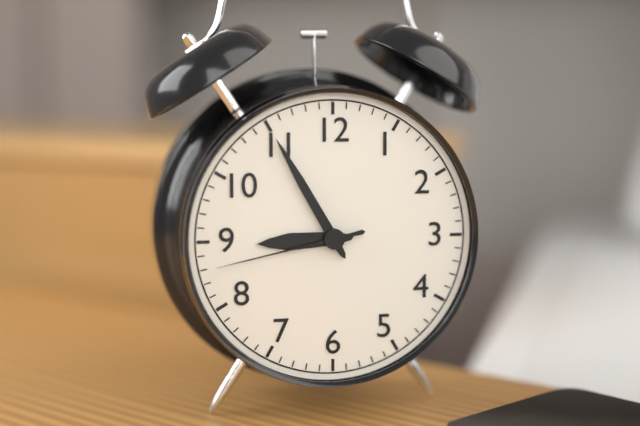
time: **8:55:43**
